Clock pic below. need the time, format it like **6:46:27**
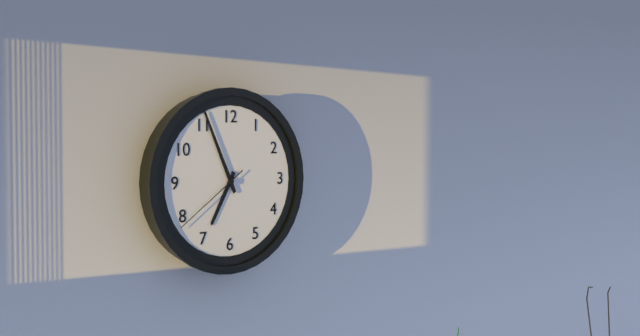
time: **6:56:39**
